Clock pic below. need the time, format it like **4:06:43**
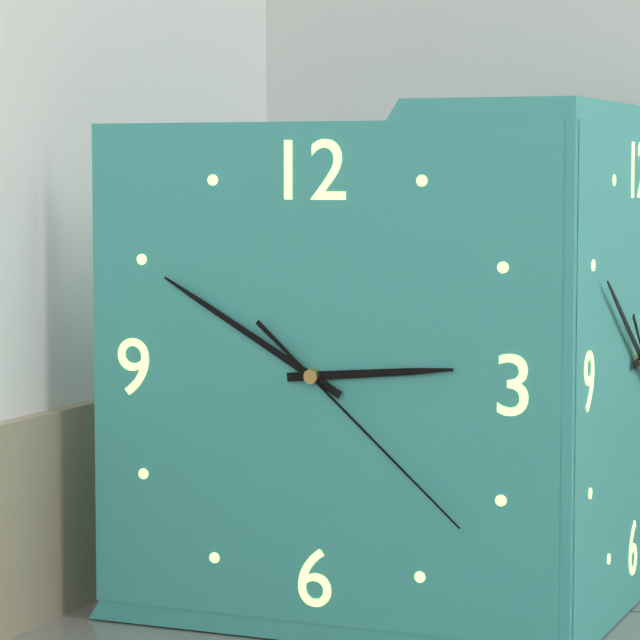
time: **2:50:22**
